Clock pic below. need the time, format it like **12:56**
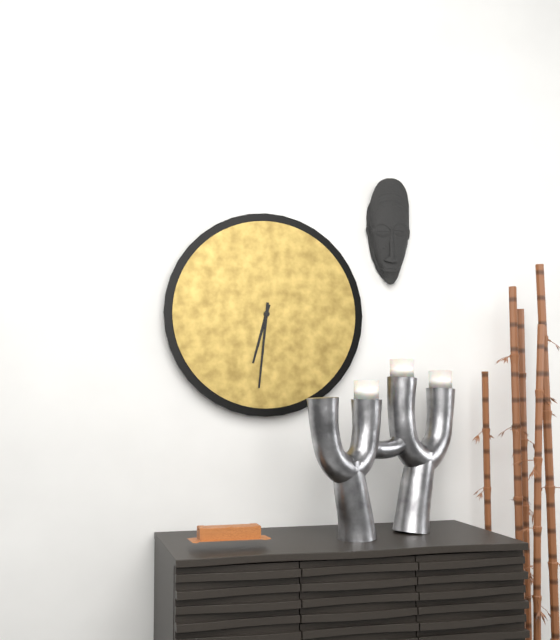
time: **6:31**
